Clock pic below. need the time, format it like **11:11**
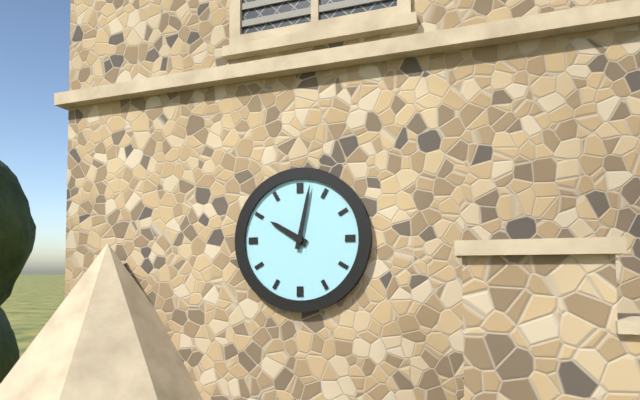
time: **10:02**
